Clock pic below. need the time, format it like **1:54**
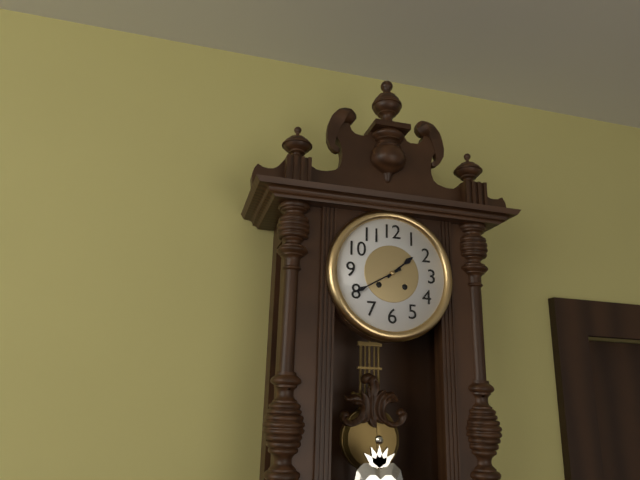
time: **1:40**
